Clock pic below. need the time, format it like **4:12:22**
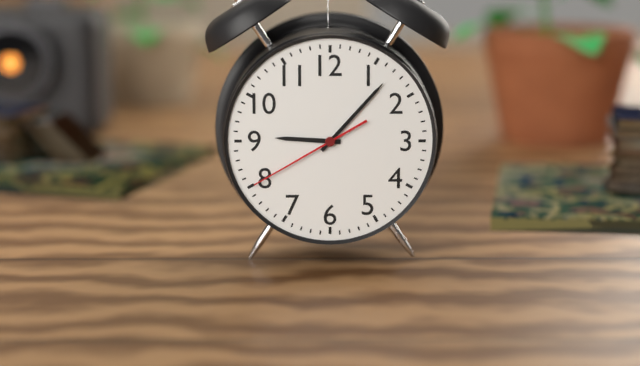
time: **9:07:40**
